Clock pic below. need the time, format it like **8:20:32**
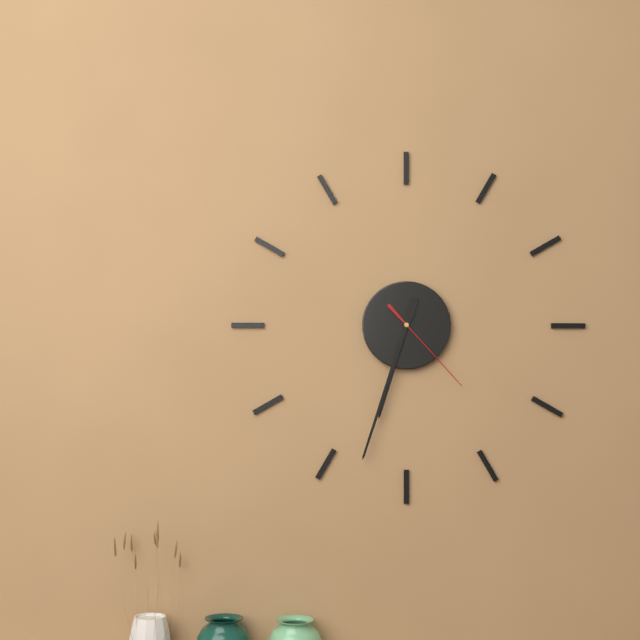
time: **6:33:23**
